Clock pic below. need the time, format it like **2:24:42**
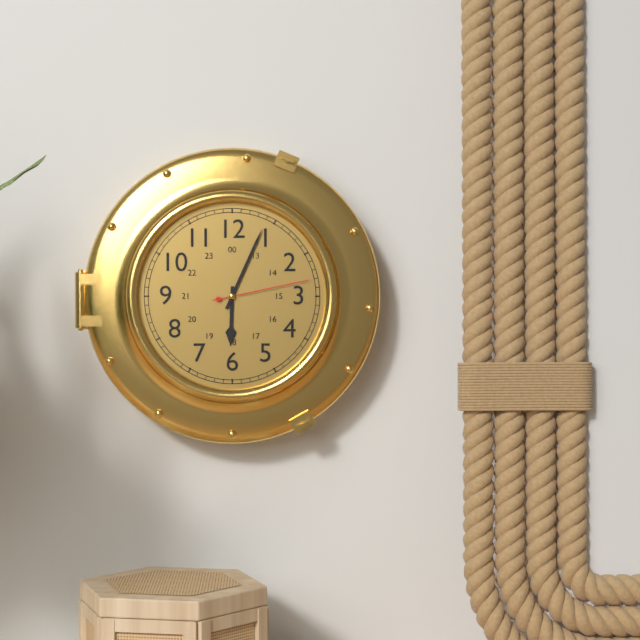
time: **6:04:13**
